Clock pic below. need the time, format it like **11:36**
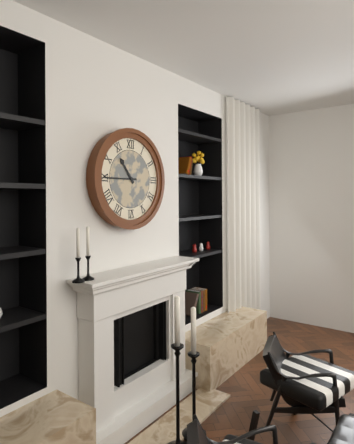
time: **10:45**
